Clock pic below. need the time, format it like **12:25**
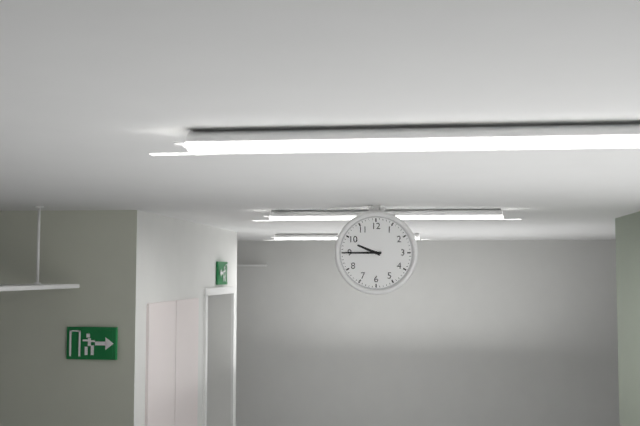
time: **9:45**
